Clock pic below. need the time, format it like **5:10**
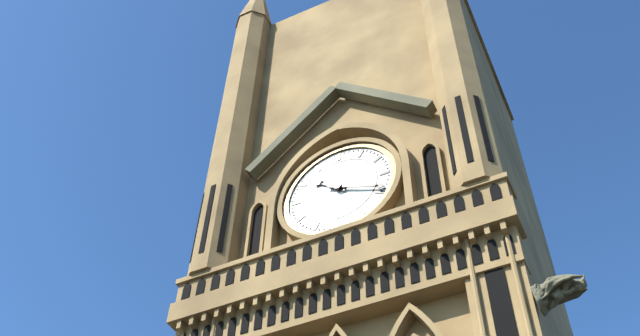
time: **10:19**
